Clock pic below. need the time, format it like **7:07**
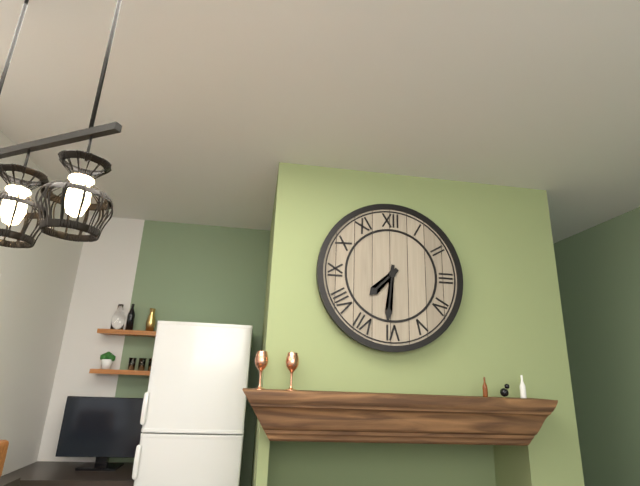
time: **7:31**
